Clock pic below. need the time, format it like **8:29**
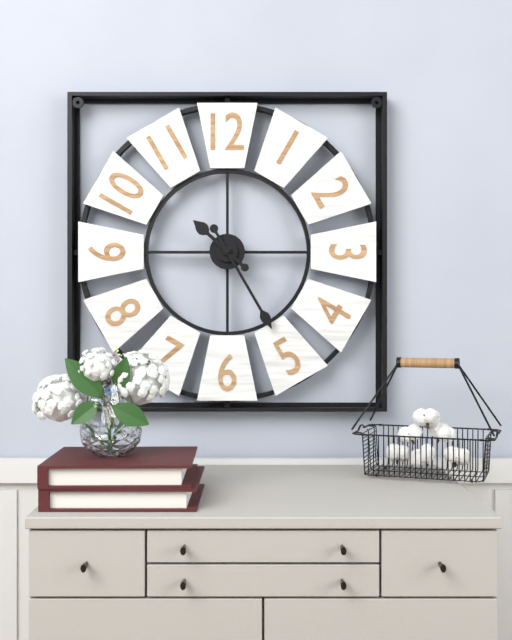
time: **10:25**
